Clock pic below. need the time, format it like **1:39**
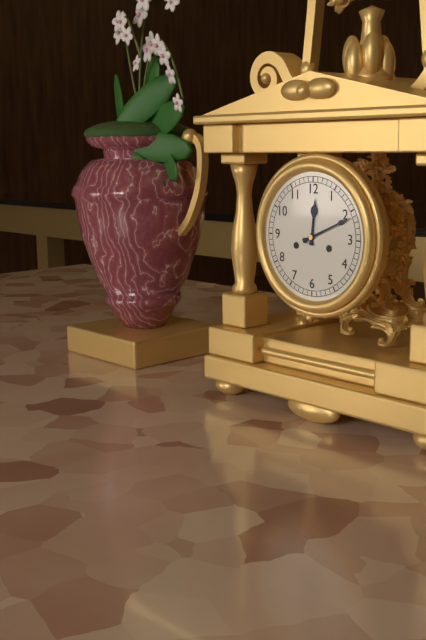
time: **12:11**
